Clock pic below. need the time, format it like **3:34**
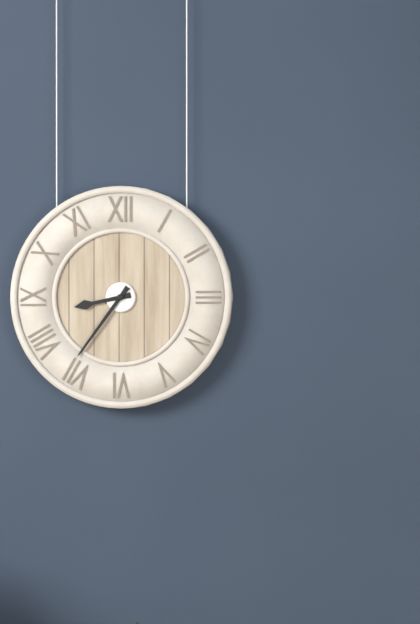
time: **8:36**
